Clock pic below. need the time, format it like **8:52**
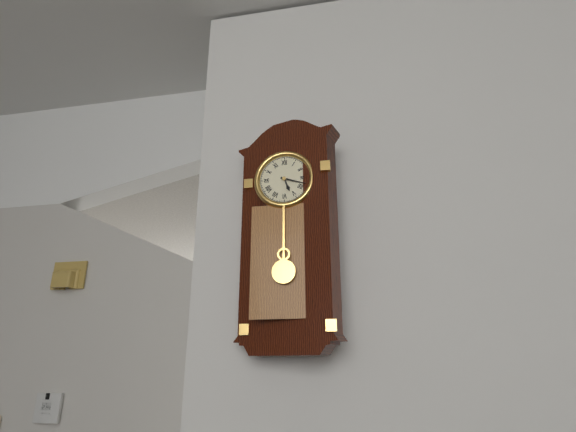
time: **5:18**
